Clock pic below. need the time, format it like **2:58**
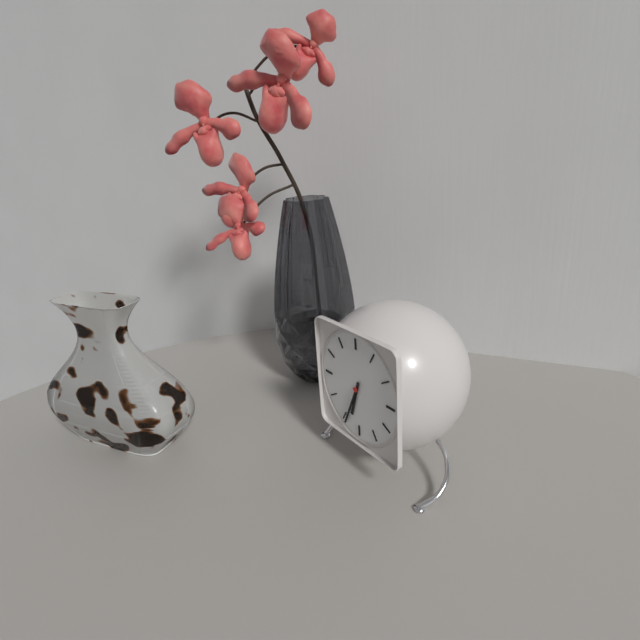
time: **6:34**
